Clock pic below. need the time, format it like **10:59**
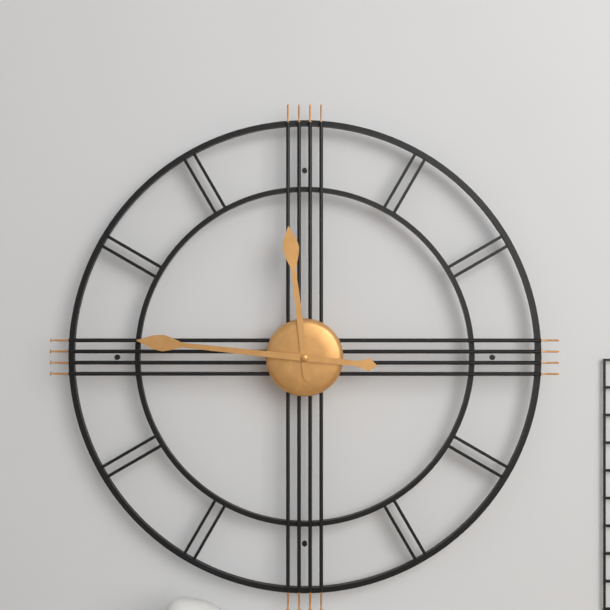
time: **11:46**
